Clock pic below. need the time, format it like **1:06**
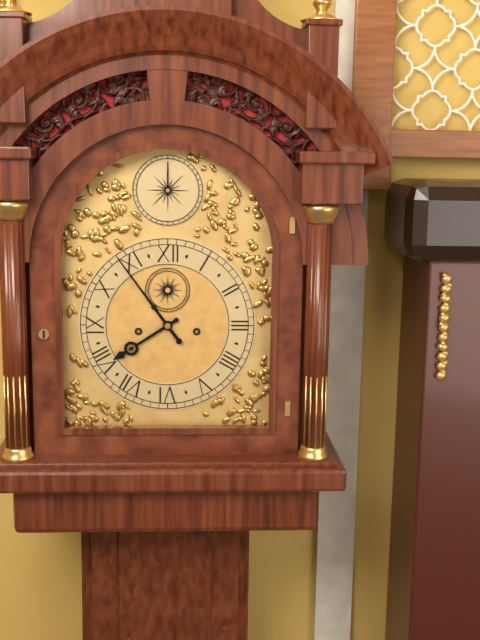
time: **7:54**
